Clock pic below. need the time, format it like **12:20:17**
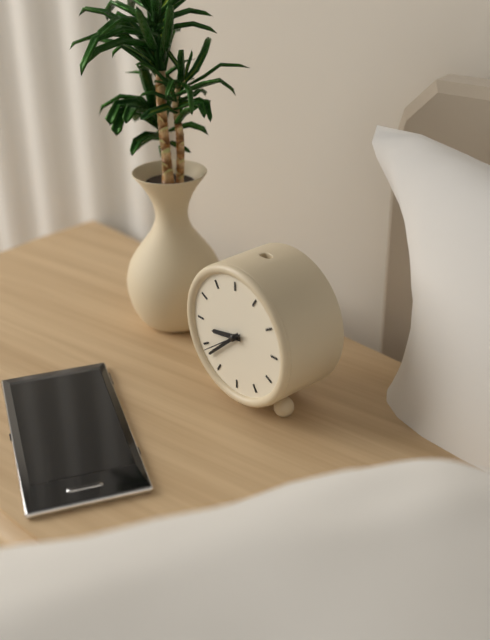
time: **8:38:39**
